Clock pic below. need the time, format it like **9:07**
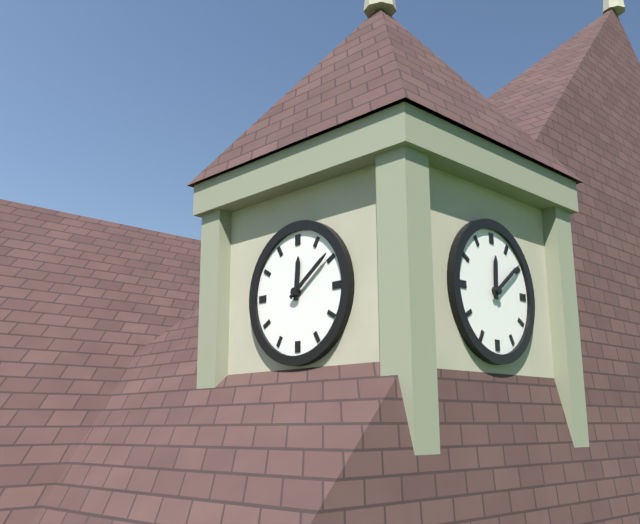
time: **12:09**
